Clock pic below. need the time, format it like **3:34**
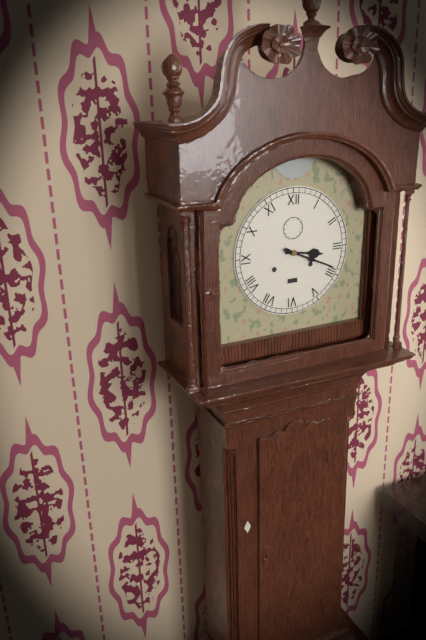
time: **3:19**
